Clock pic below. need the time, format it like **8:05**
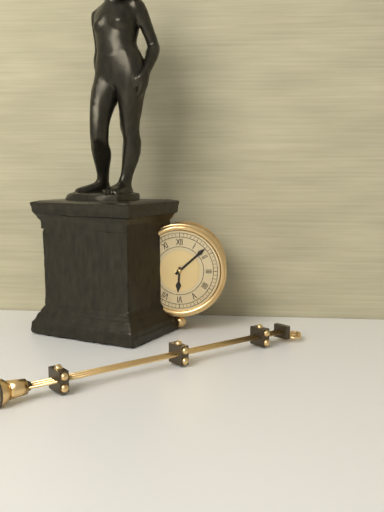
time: **6:08**
